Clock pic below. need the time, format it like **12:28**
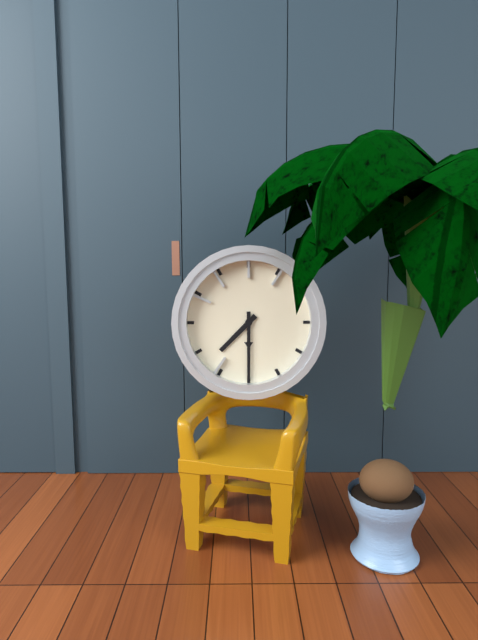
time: **7:30**
